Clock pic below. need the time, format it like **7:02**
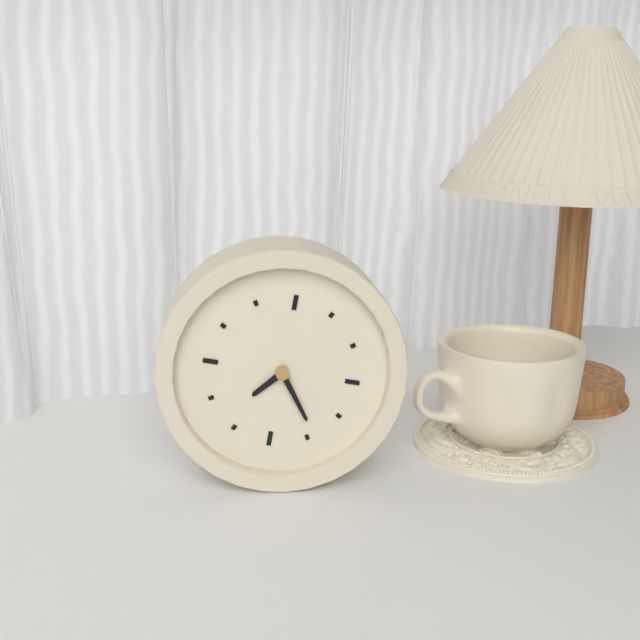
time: **7:24**
